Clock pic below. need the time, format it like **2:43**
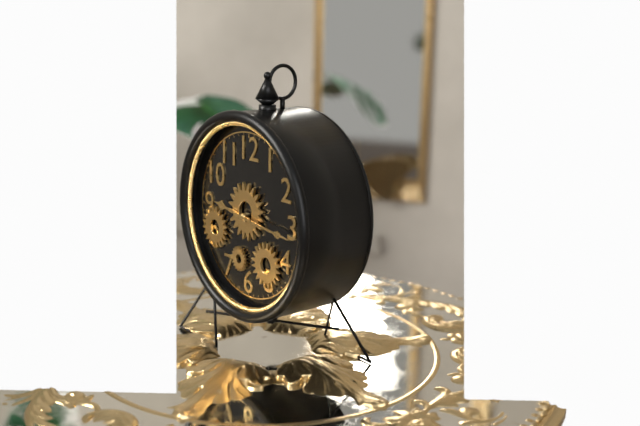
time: **9:16**
